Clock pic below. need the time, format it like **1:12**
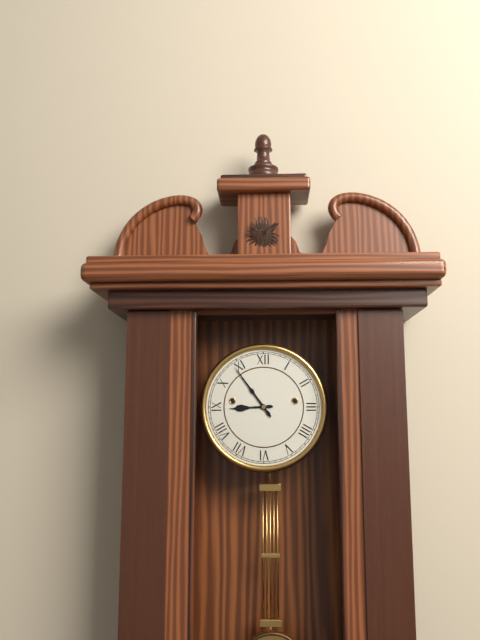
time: **8:54**
